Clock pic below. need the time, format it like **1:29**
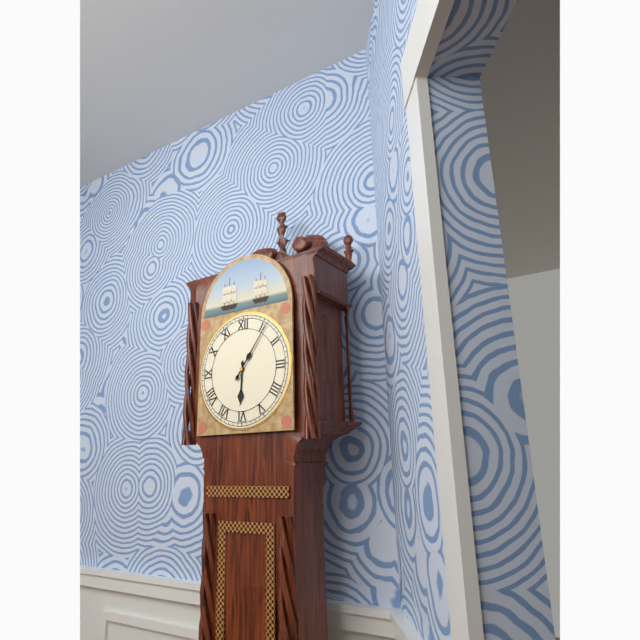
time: **6:06**
